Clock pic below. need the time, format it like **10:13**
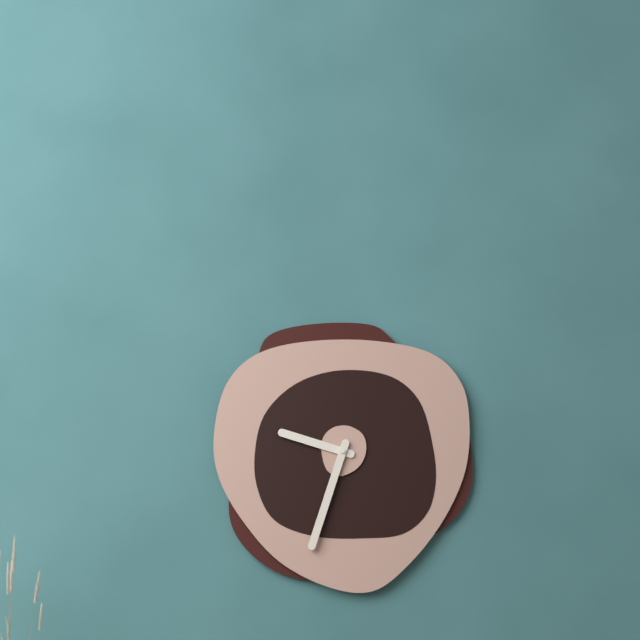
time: **9:33**
